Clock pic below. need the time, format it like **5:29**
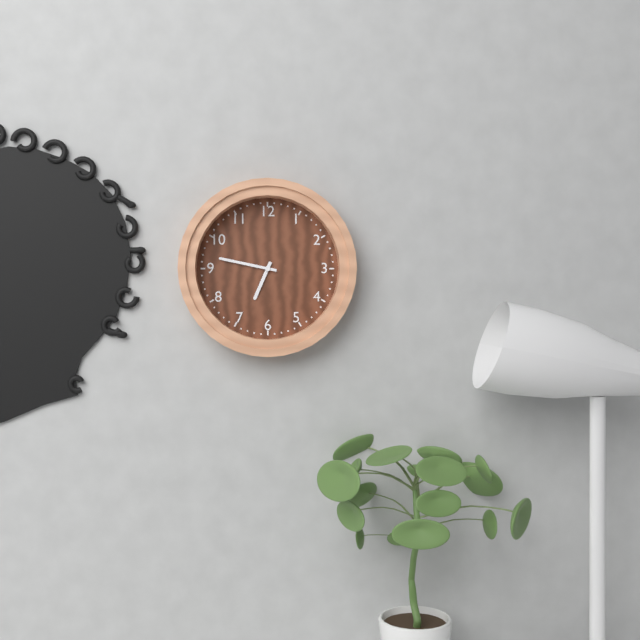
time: **6:47**
